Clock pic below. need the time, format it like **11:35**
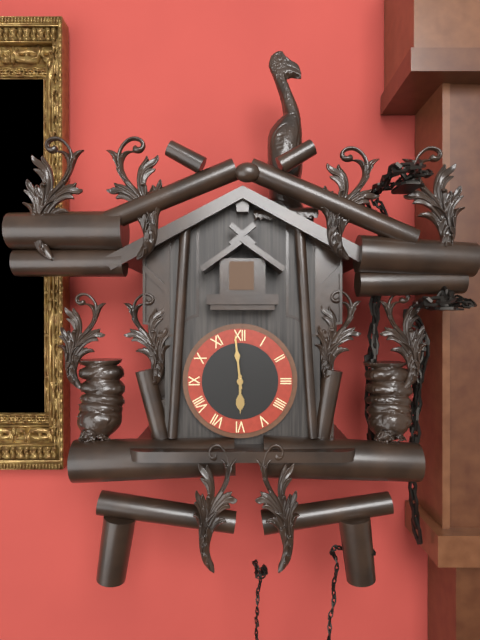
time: **5:59**
